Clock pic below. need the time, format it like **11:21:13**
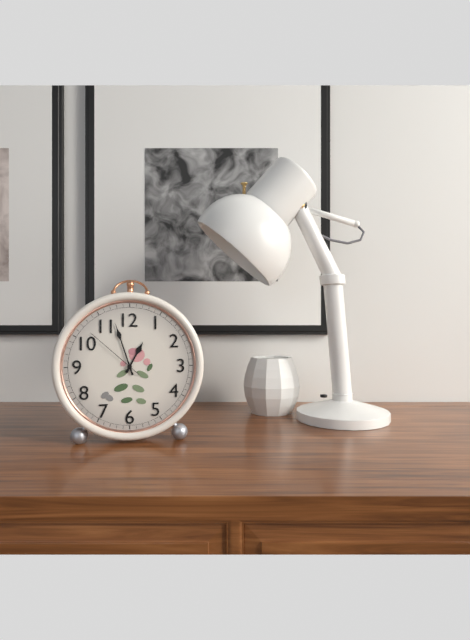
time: **12:57:52**
